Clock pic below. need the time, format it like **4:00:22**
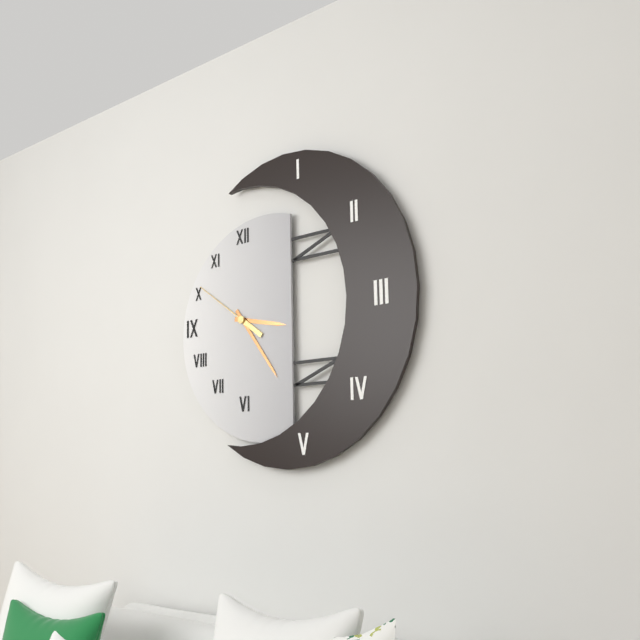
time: **3:24:51**
